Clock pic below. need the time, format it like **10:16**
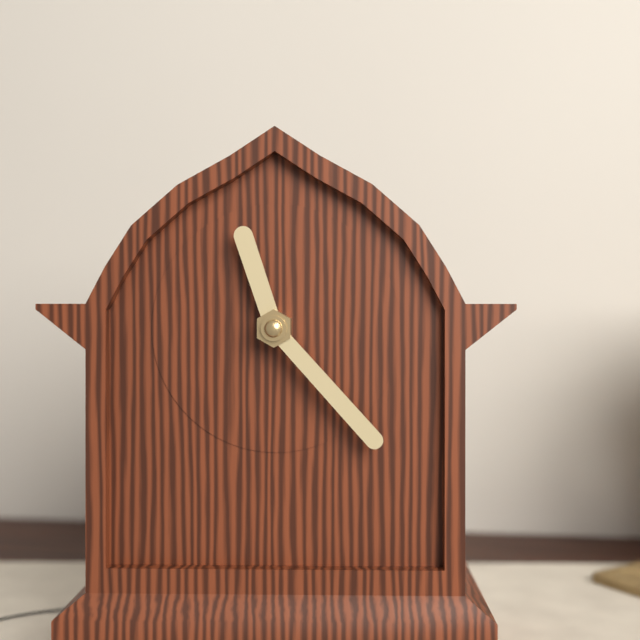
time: **11:23**
